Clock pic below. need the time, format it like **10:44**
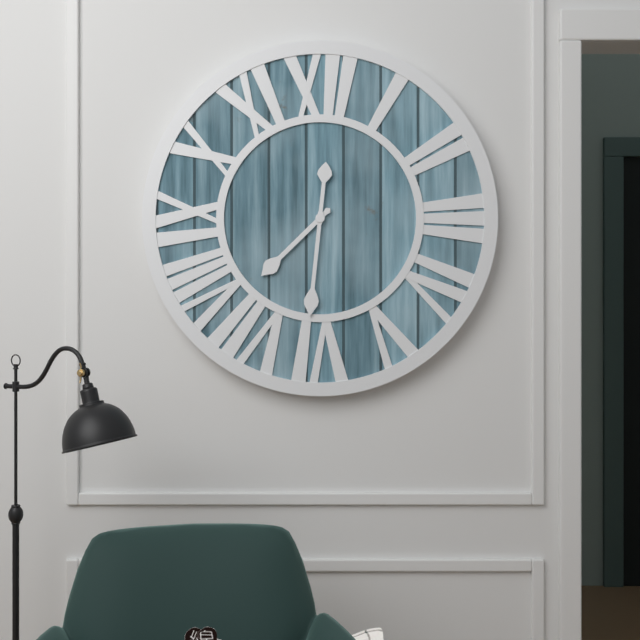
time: **7:31**
